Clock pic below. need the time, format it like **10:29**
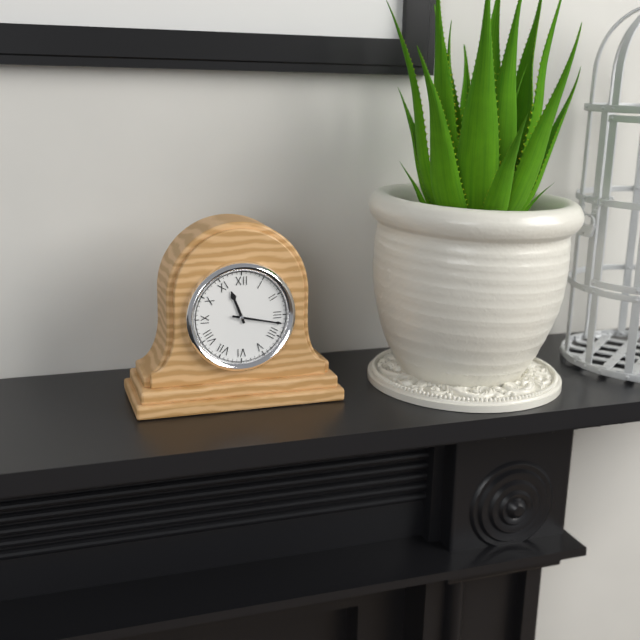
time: **11:17**
